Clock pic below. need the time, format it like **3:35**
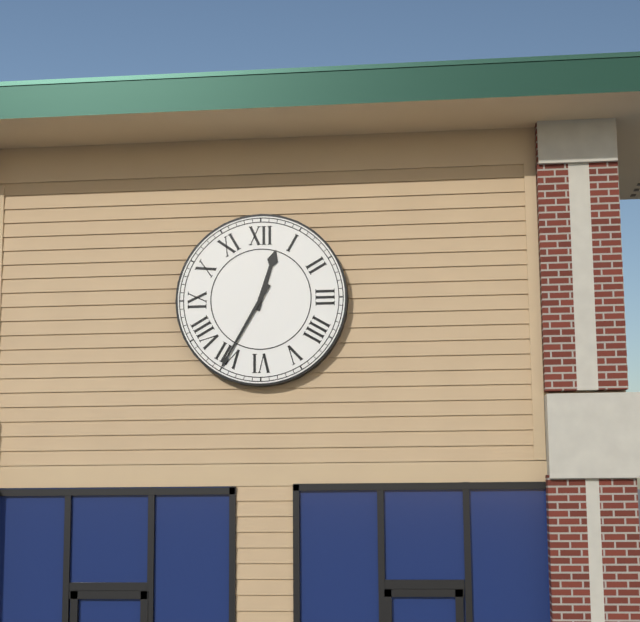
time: **12:35**
